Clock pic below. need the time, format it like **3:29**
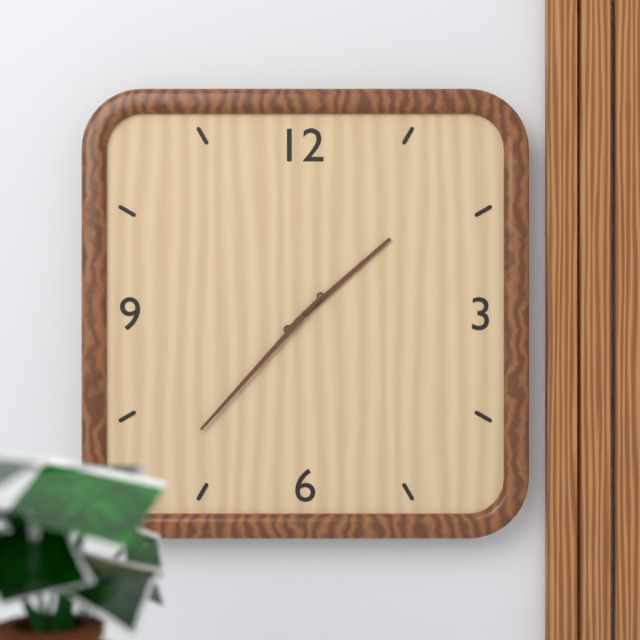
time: **1:37**
